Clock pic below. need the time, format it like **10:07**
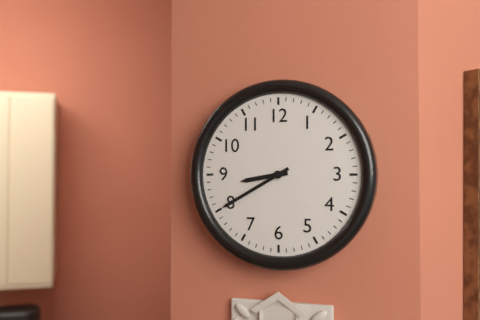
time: **8:40**
